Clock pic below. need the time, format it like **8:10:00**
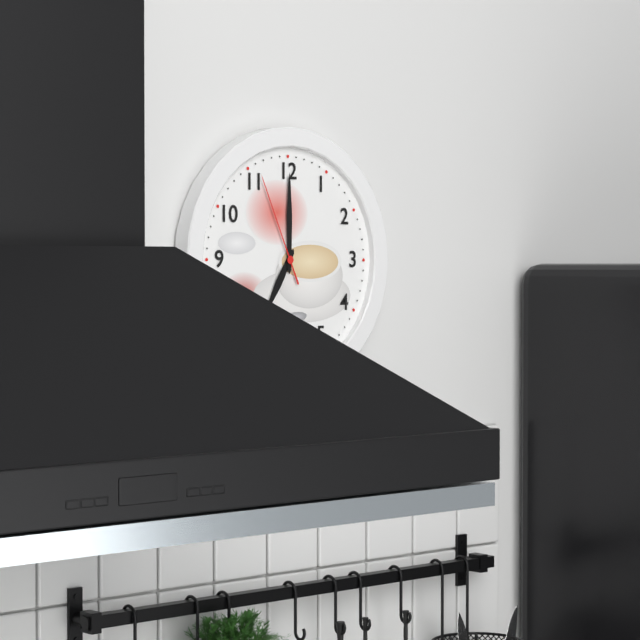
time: **7:00:56**
